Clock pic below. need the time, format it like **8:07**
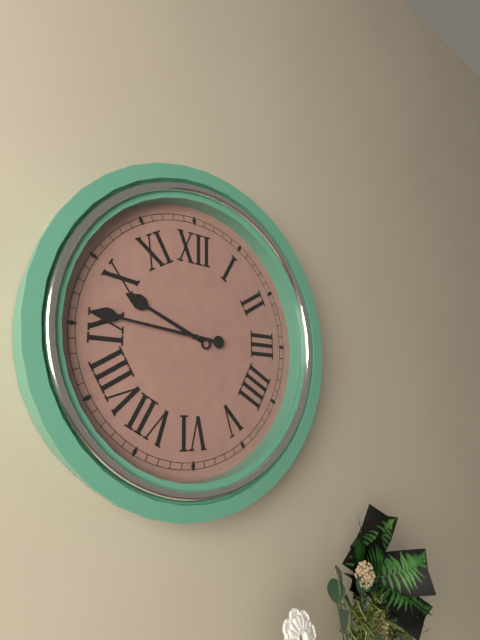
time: **9:46**
